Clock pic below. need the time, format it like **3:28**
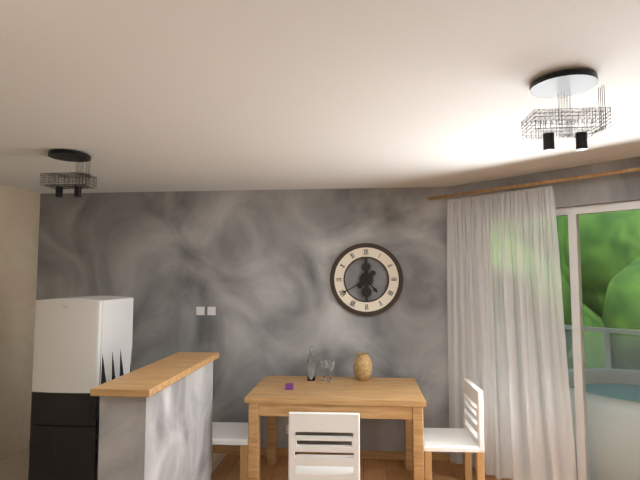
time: **4:40**
